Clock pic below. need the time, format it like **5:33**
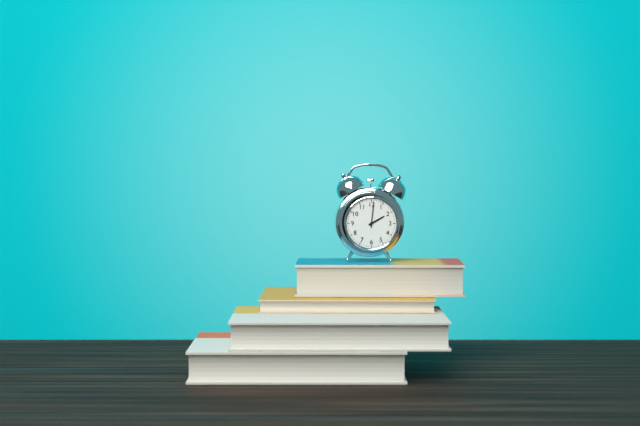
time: **2:01**
